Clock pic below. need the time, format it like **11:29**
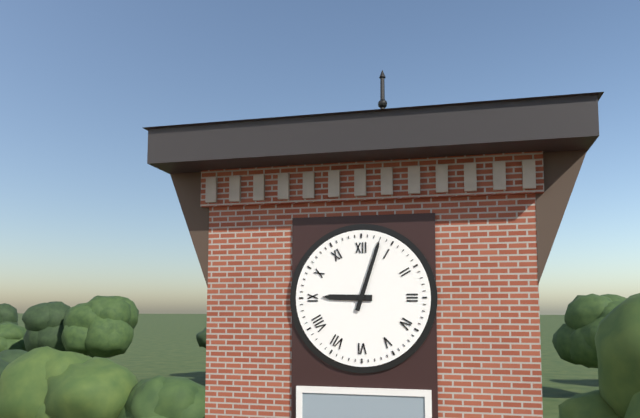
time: **9:03**
